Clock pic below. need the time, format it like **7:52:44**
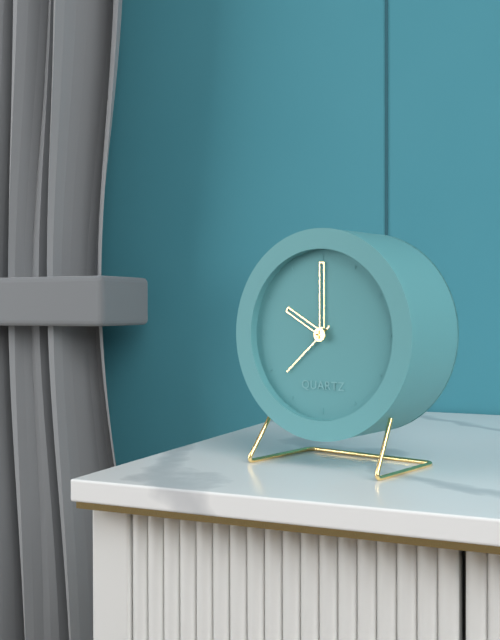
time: **10:00:38**
